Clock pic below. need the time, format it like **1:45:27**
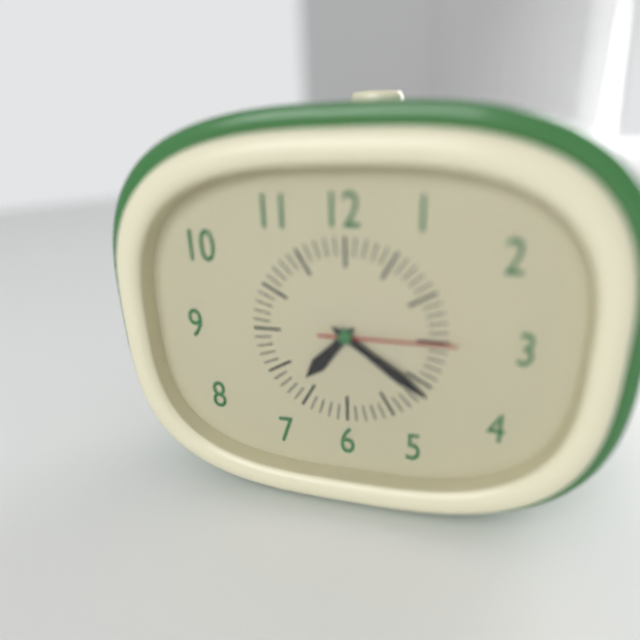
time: **7:21:15**
